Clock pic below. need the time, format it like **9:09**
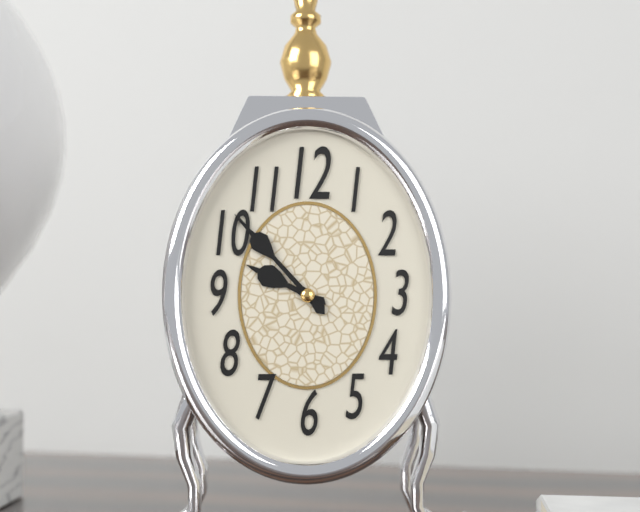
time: **9:53**
